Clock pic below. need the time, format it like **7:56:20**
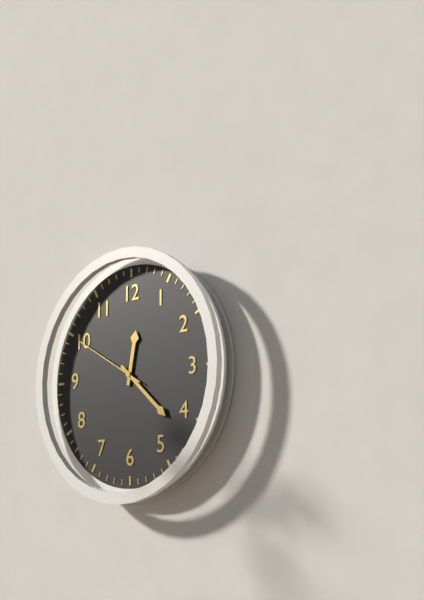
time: **12:22:50**
